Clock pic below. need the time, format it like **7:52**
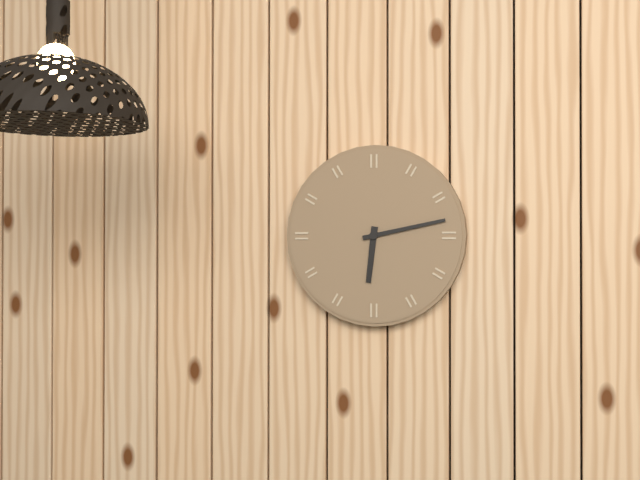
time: **6:13**
